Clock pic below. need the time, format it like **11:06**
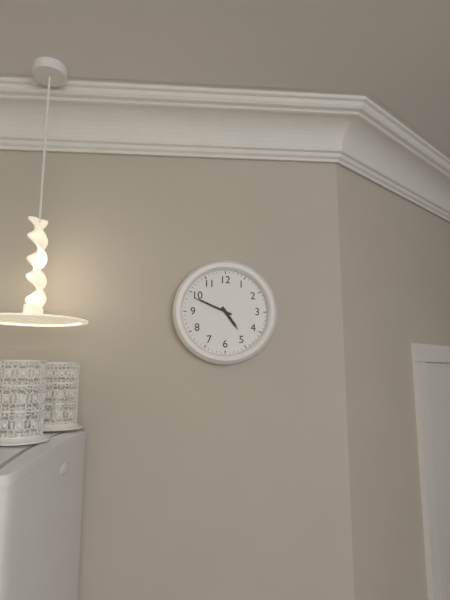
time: **4:49**
